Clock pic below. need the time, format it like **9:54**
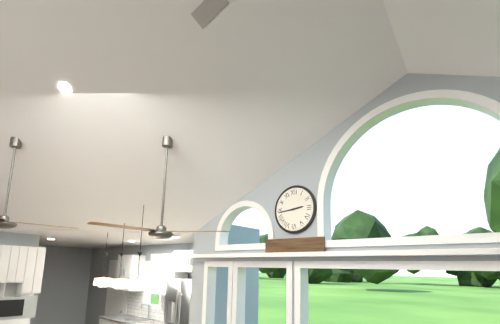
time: **2:44**
